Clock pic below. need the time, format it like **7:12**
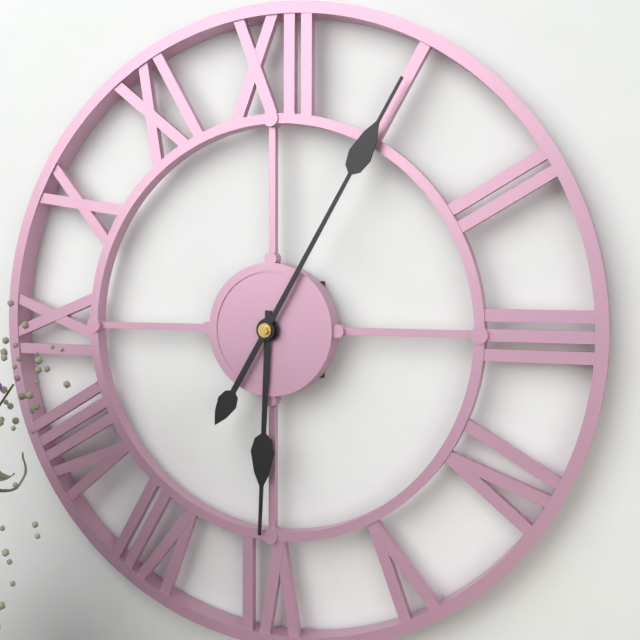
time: **6:05**
